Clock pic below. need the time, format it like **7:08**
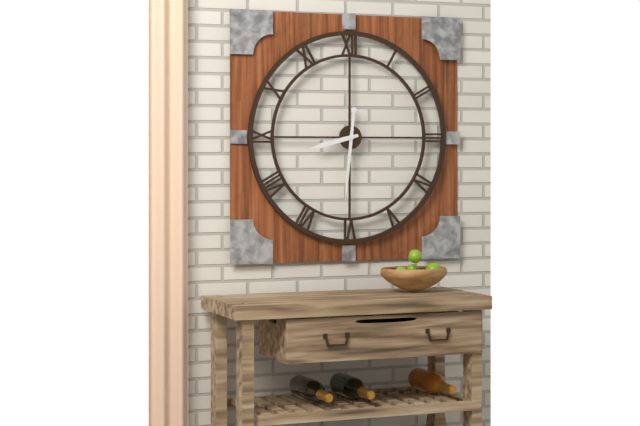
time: **8:31**
